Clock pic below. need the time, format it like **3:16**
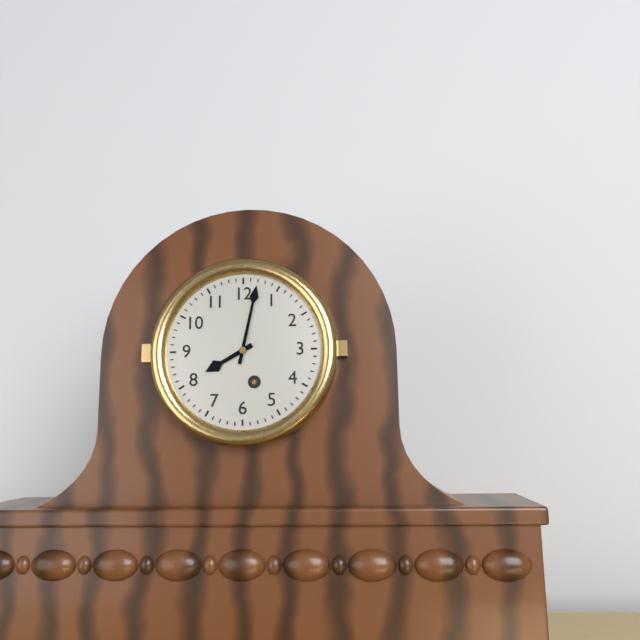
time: **8:02**
